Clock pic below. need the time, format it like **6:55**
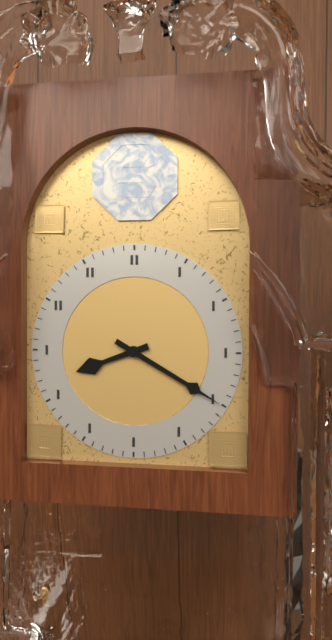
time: **8:20**
